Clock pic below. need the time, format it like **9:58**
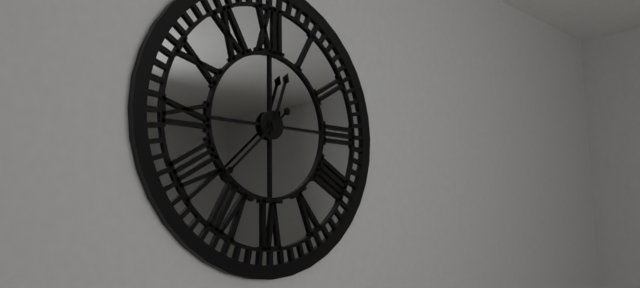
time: **12:38**
